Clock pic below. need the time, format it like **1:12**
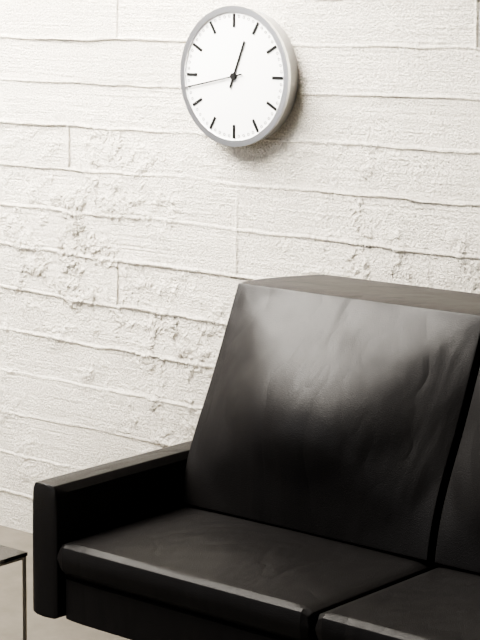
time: **12:43**
